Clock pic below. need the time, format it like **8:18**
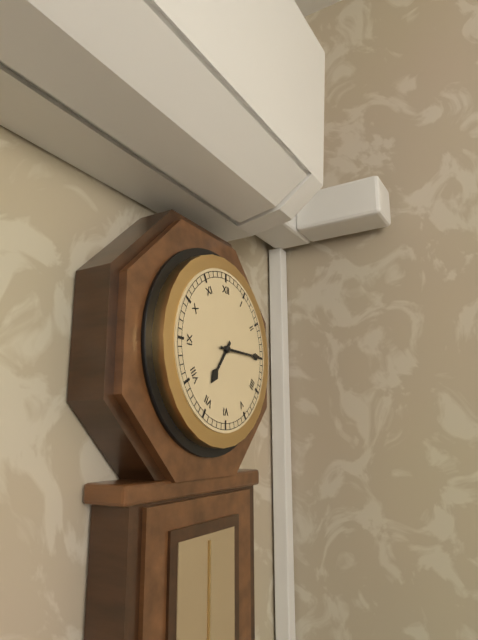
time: **7:15**
